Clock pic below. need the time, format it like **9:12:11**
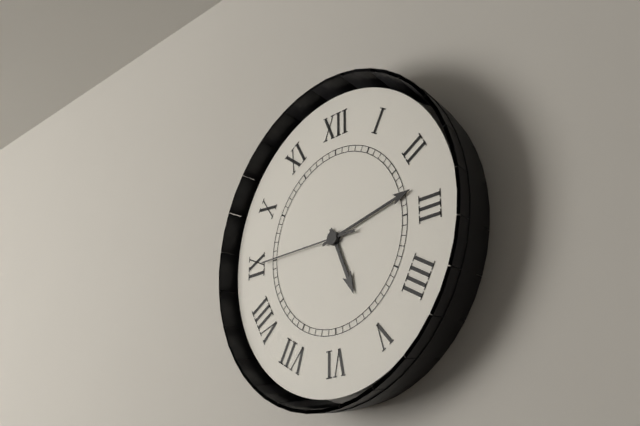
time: **5:13:45**
